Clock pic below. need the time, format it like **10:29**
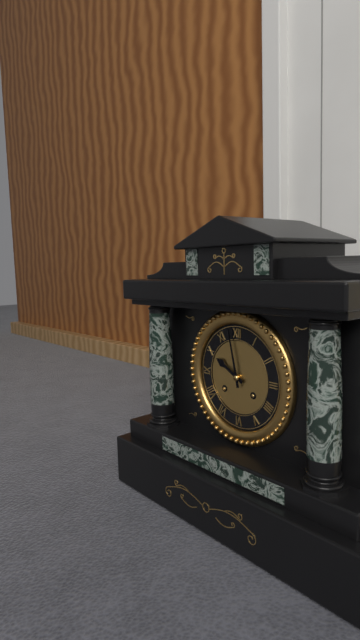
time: **9:58**
